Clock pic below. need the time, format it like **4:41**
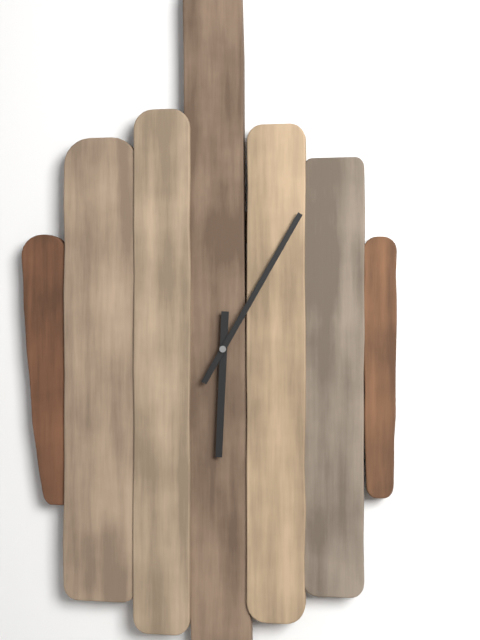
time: **6:05**
